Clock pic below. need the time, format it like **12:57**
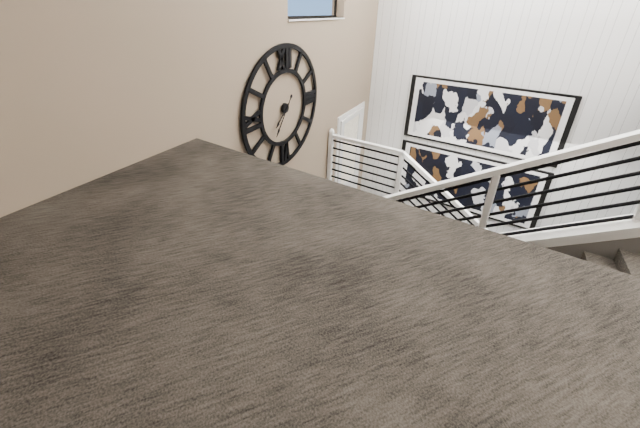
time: **7:36**
